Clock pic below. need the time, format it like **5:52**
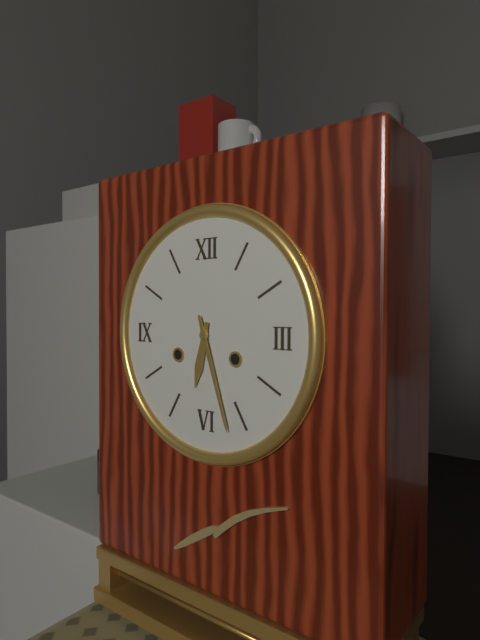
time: **6:27**
